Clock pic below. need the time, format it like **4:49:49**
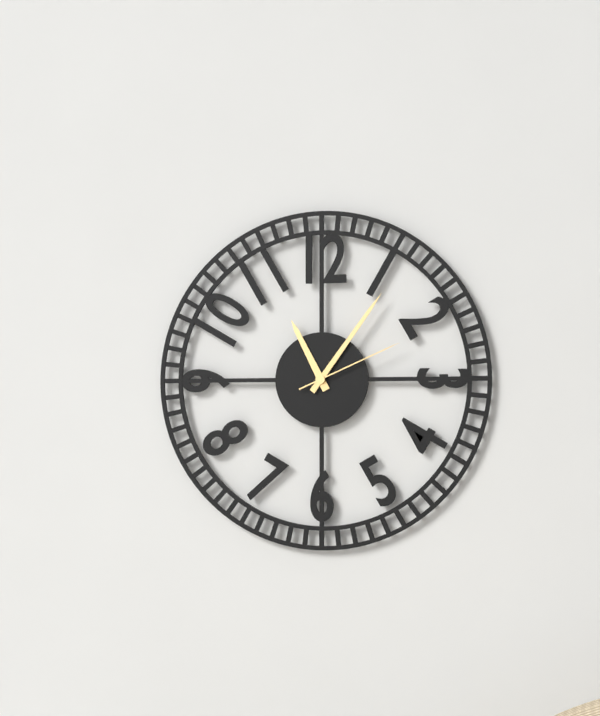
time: **11:06:11**
